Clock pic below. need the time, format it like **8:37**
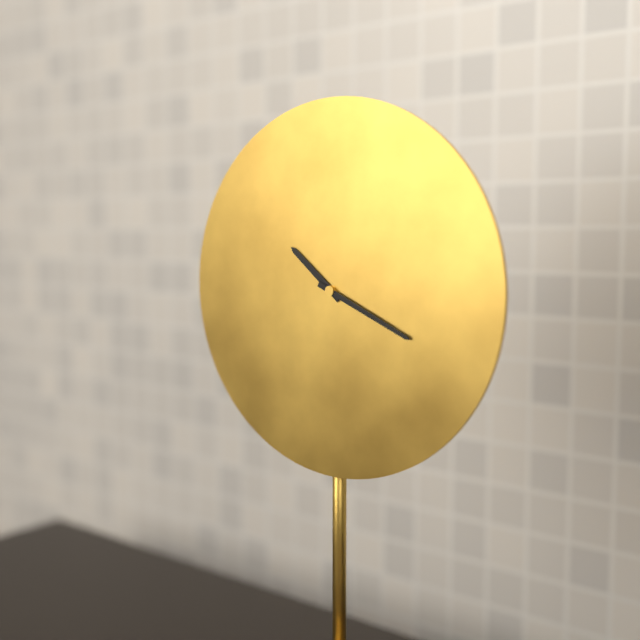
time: **10:19**
